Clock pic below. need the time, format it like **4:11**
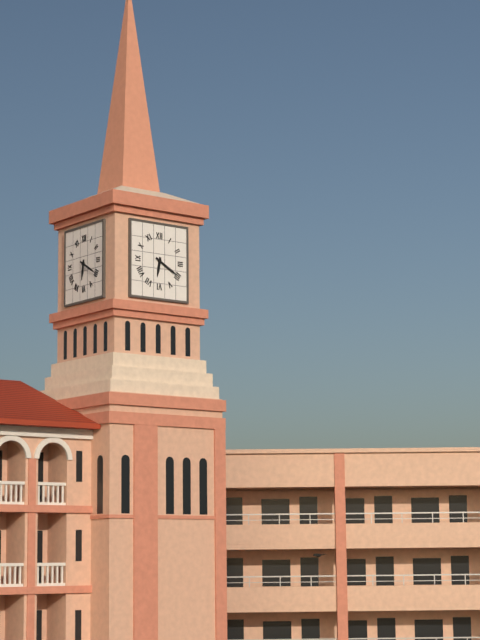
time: **6:20**
